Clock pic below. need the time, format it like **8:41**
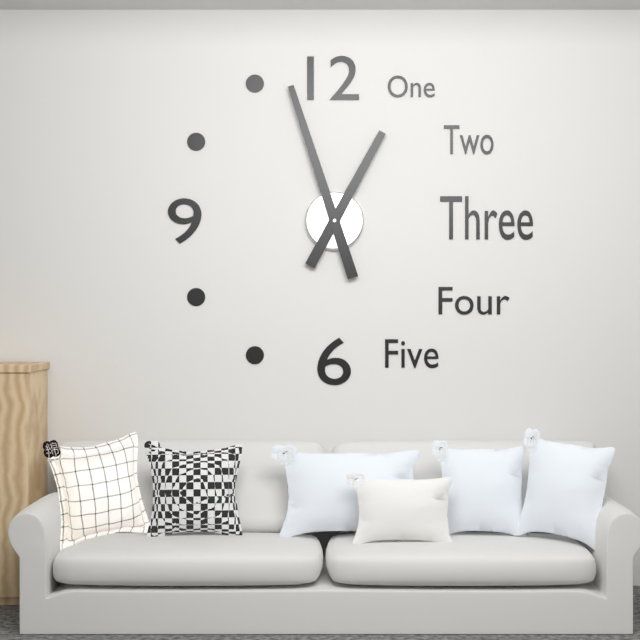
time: **12:57**
